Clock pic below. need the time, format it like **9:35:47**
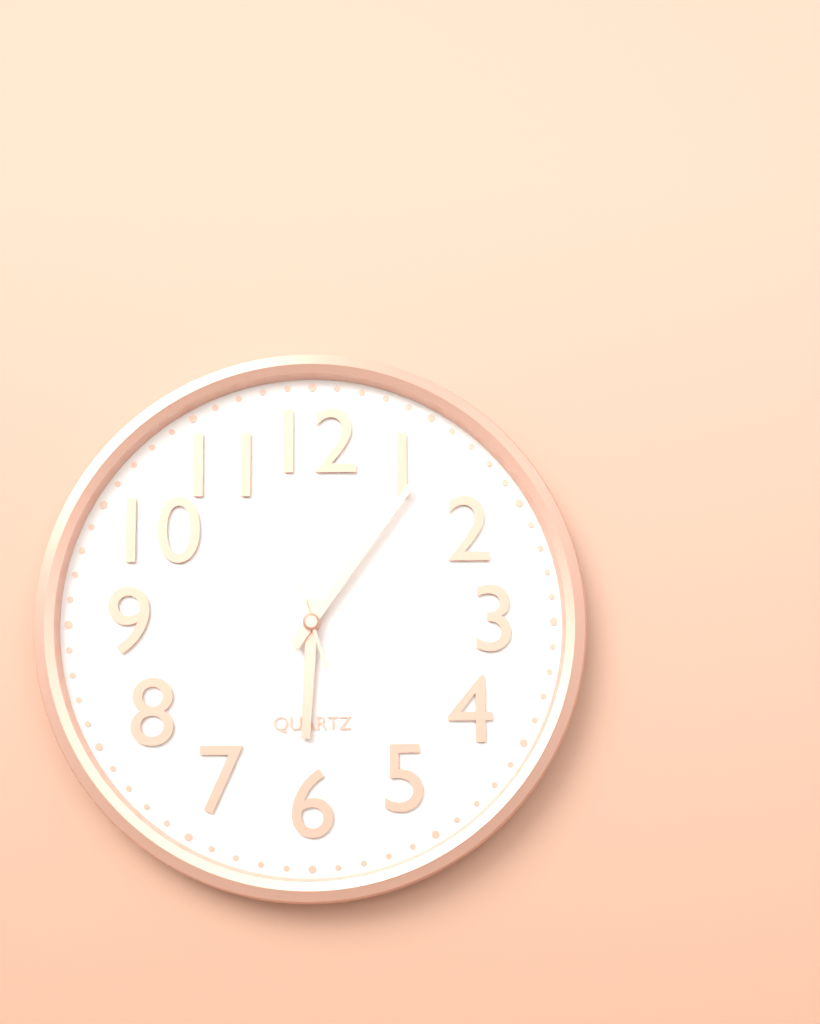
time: **6:06:57**
